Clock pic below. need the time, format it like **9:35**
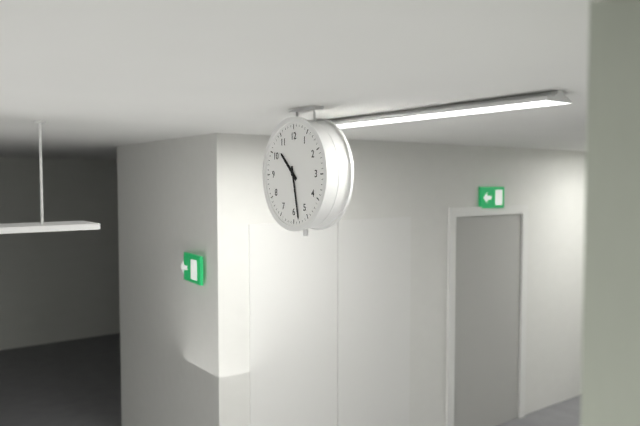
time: **10:28**
